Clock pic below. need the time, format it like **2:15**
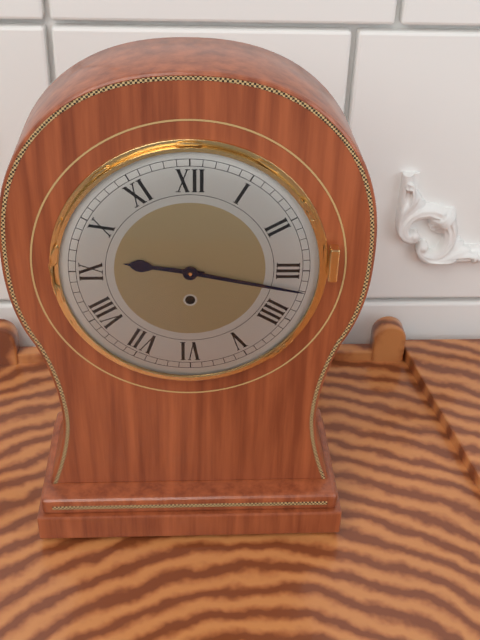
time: **9:17**
